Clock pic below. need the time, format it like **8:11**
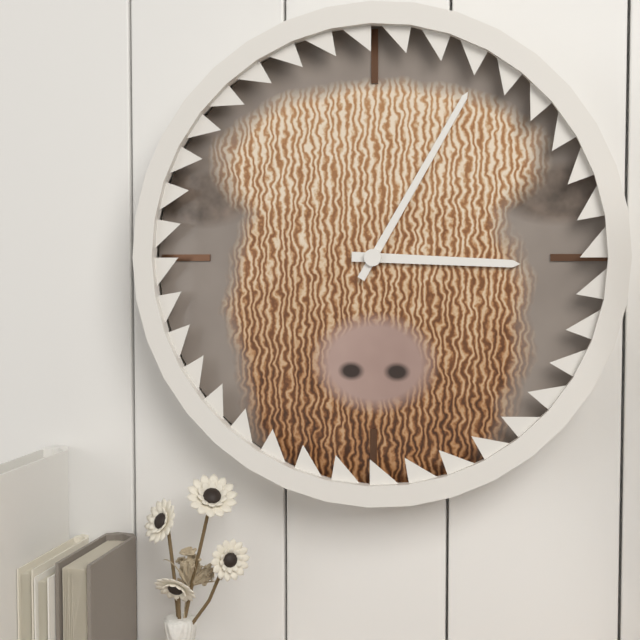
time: **3:05**
